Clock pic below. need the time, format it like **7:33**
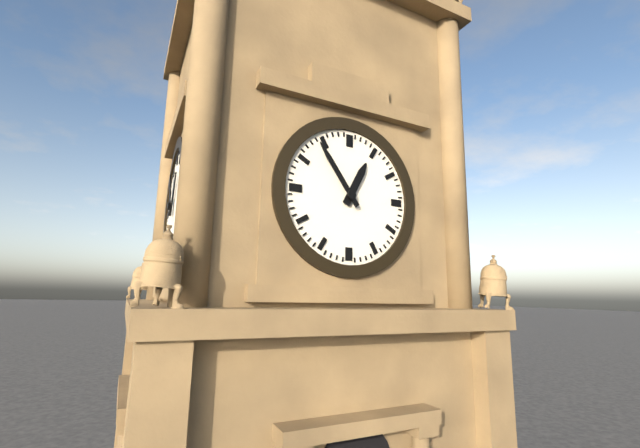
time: **12:54**
